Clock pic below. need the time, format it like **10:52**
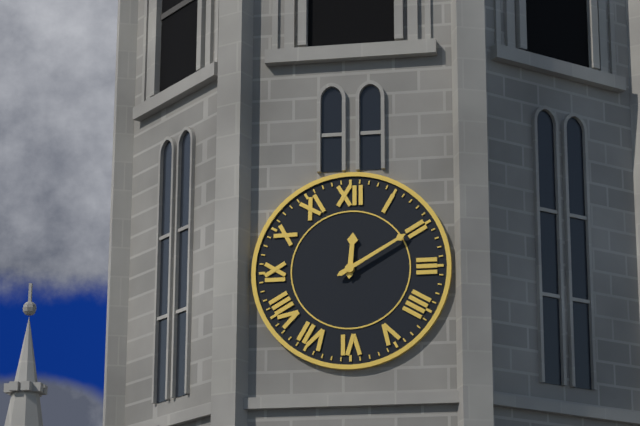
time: **12:10**
